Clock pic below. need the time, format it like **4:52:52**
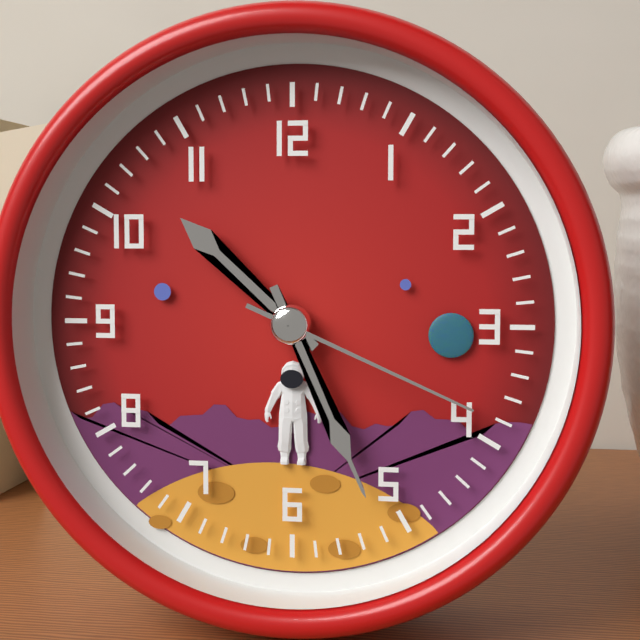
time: **10:26:19**
